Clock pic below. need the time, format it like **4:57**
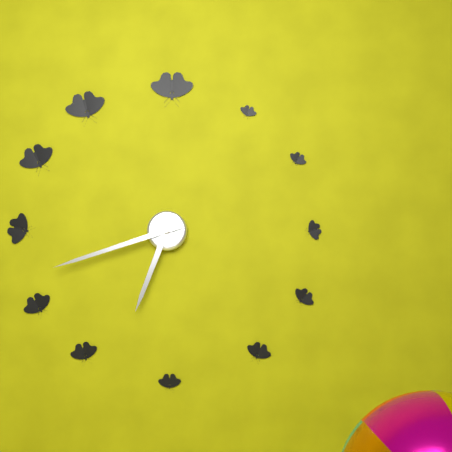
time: **6:42**
